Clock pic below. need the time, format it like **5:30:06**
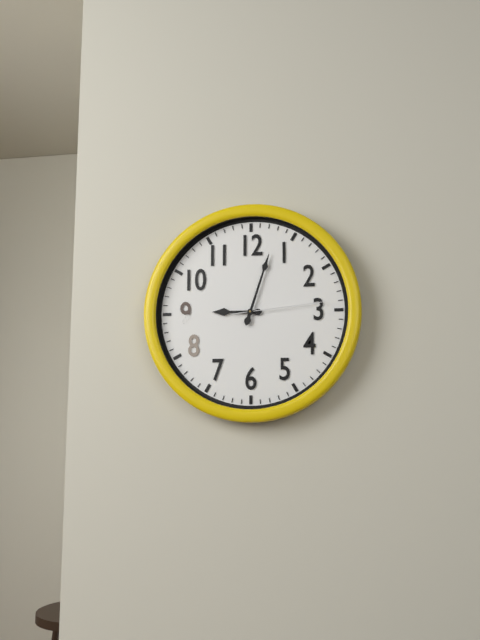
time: **9:03:14**
